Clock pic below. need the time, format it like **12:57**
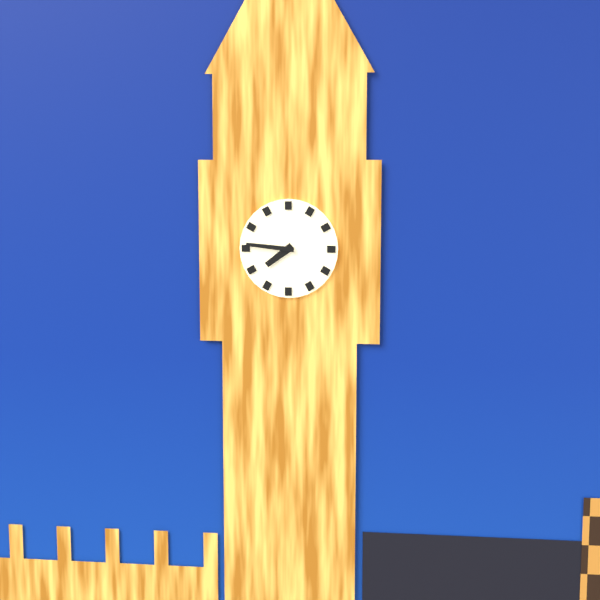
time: **7:46**
